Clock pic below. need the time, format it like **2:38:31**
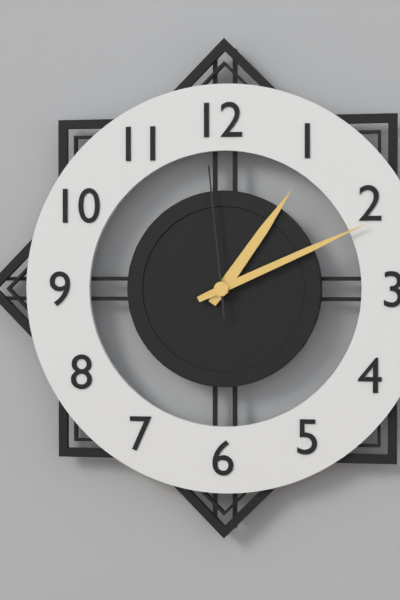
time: **1:11:59**
